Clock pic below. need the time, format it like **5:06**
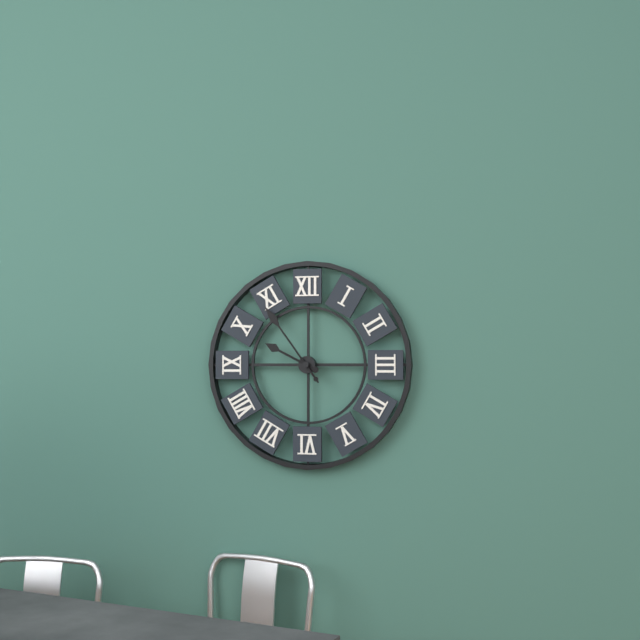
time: **9:54**
